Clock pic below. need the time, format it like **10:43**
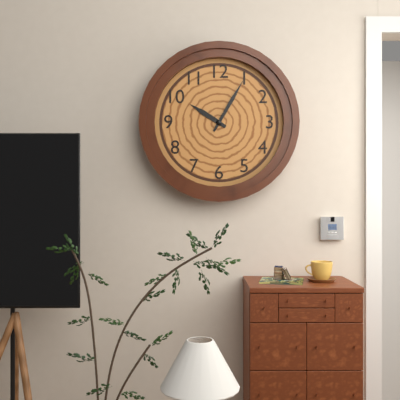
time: **10:05**
